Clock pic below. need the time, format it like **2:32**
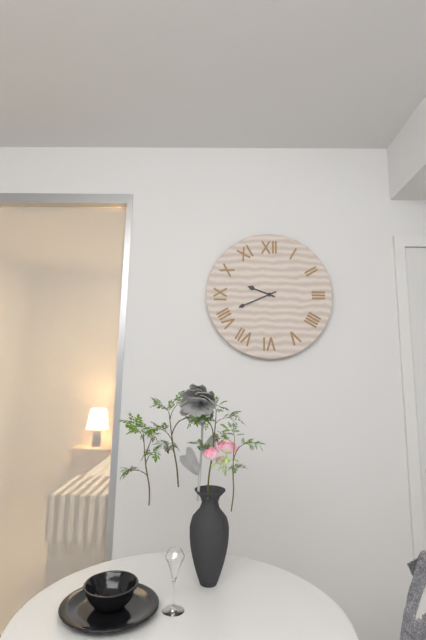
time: **9:41**
